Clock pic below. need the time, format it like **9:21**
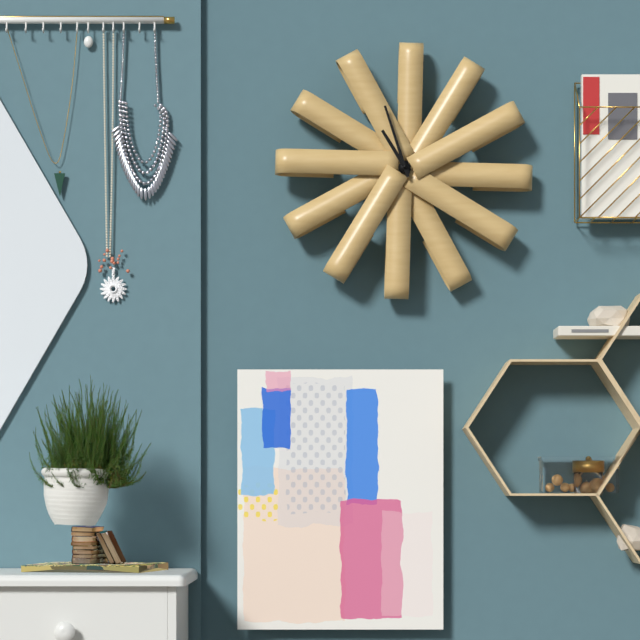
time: **10:57**
